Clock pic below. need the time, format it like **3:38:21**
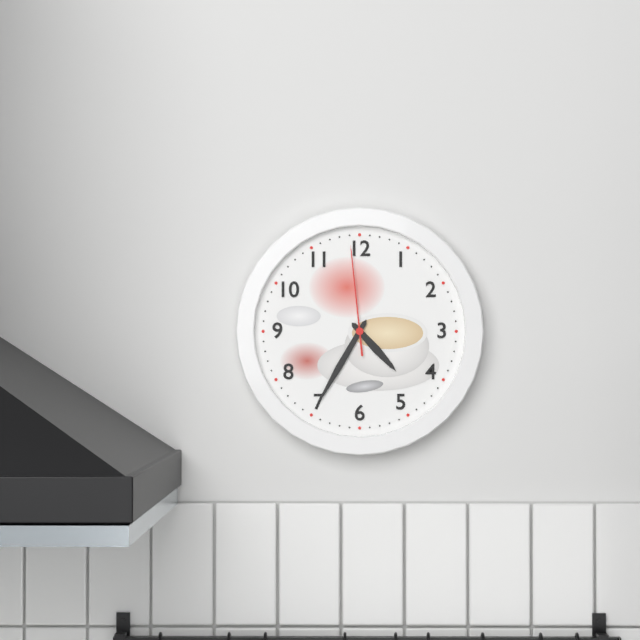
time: **4:35:59**
